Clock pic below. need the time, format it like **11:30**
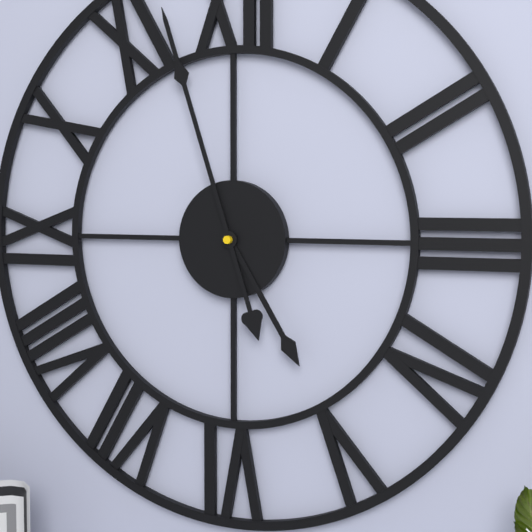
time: **4:57**
